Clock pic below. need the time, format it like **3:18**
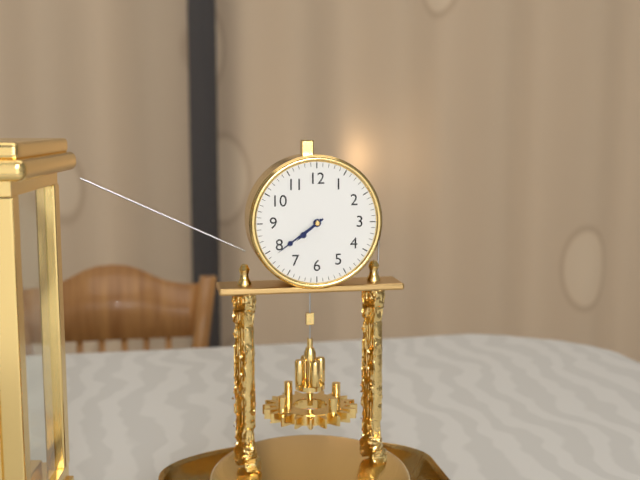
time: **7:39**
